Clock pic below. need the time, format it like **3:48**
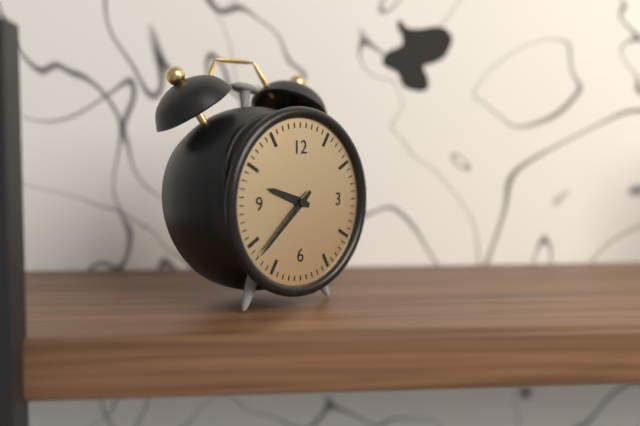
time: **9:38**
